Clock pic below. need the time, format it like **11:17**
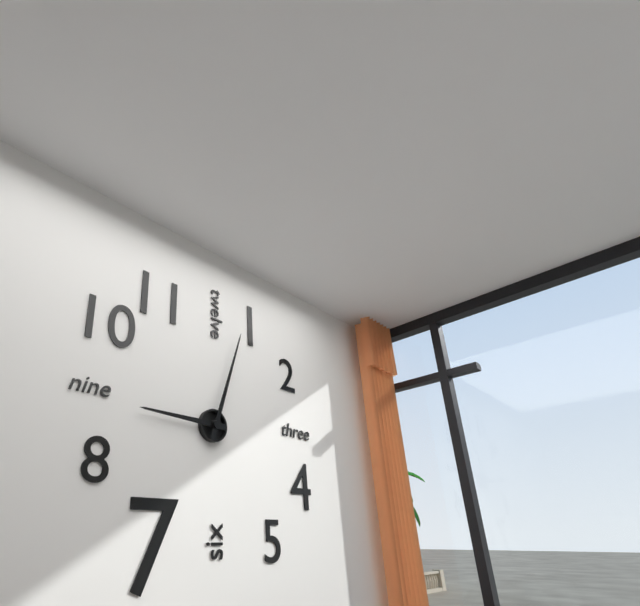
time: **9:03**
